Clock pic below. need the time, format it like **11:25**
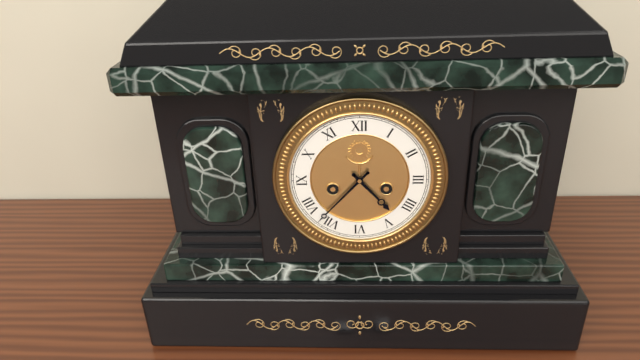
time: **4:37**
